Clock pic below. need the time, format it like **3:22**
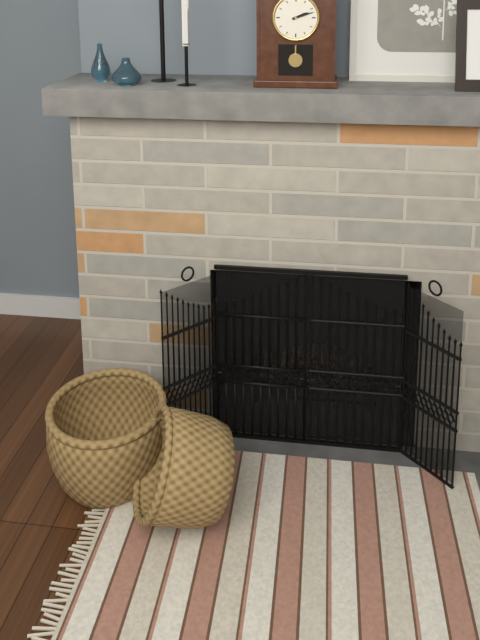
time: **2:12**
